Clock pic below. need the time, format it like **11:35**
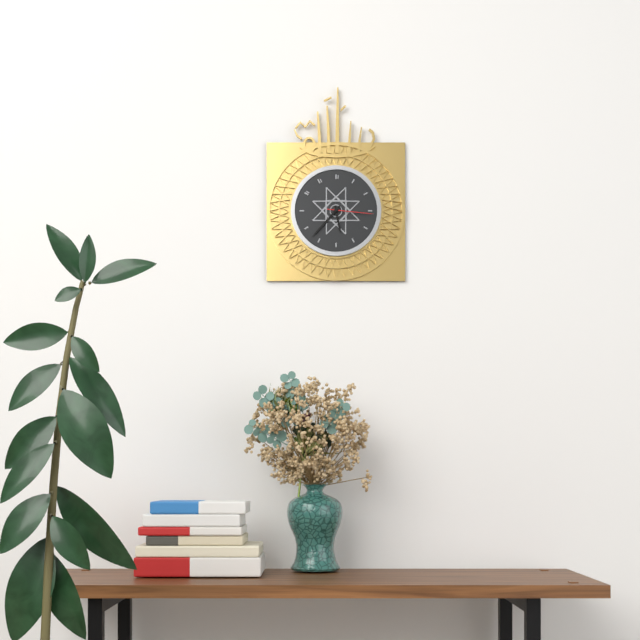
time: **5:37**
